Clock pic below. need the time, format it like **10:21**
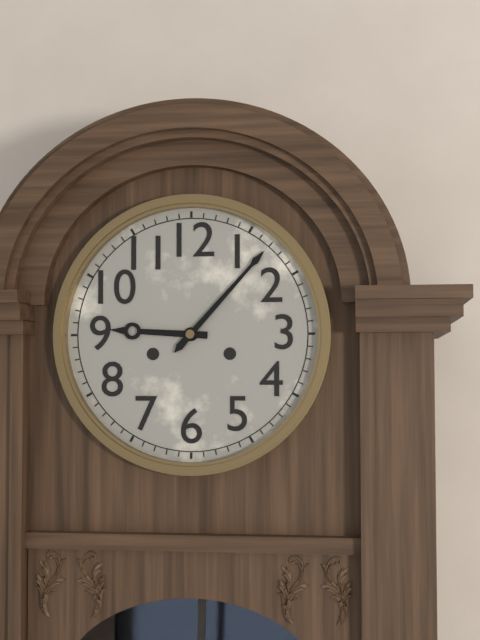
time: **9:07**
